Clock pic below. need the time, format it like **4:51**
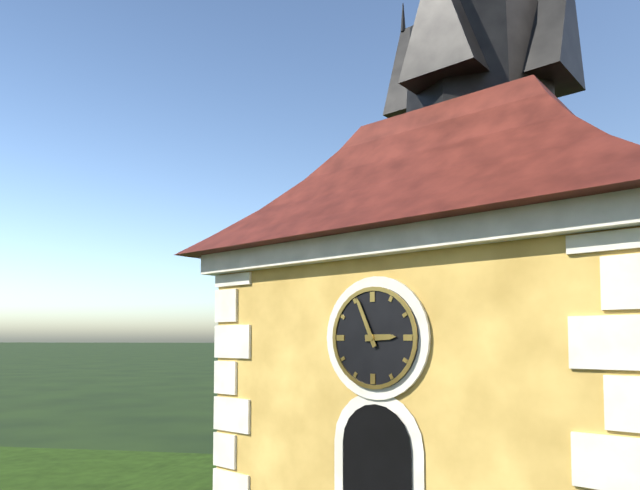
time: **2:56**
